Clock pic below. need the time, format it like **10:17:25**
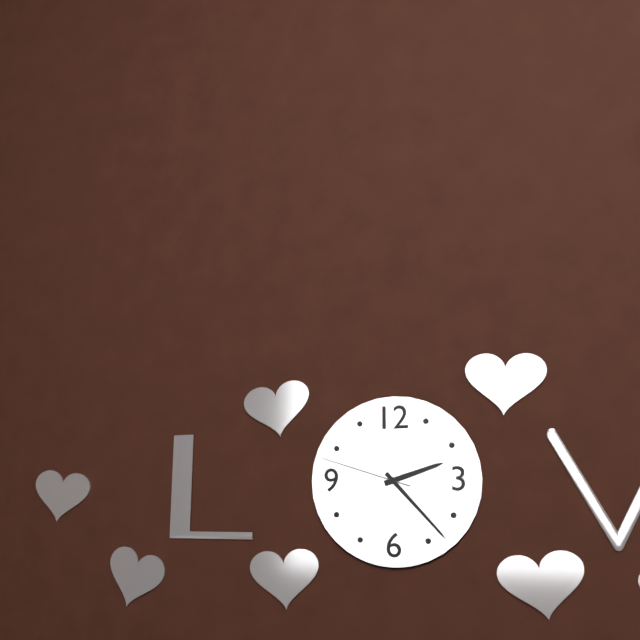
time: **2:23:48**
